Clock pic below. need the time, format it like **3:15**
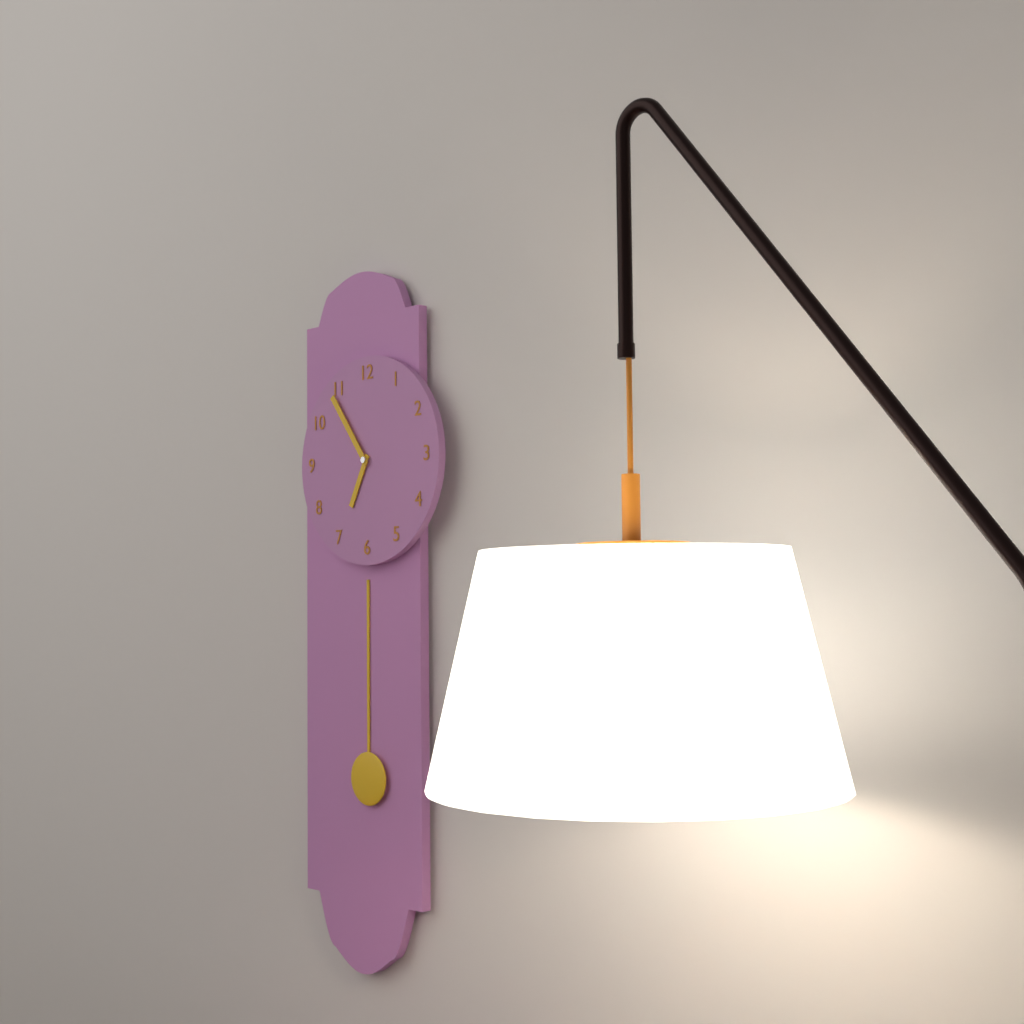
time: **6:54**
